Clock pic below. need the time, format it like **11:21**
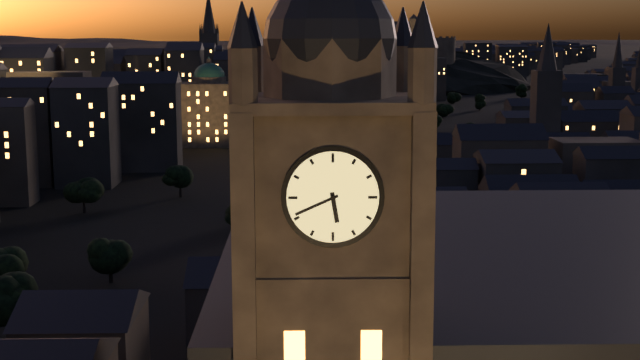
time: **5:41**
